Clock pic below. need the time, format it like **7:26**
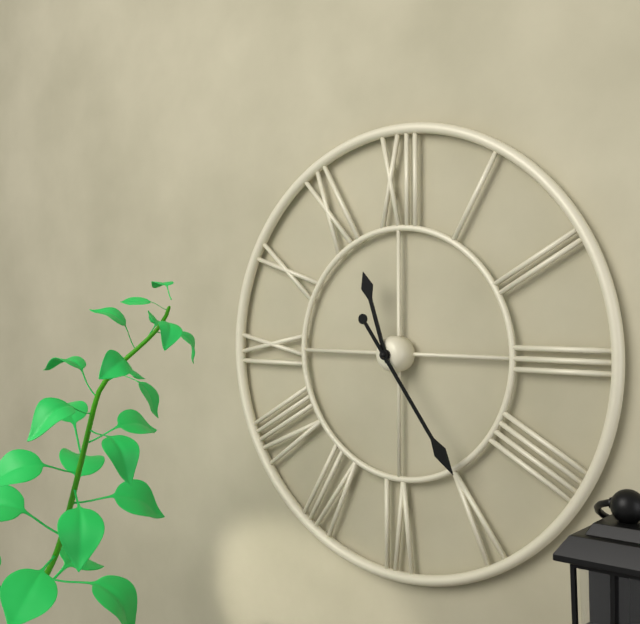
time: **11:24**
